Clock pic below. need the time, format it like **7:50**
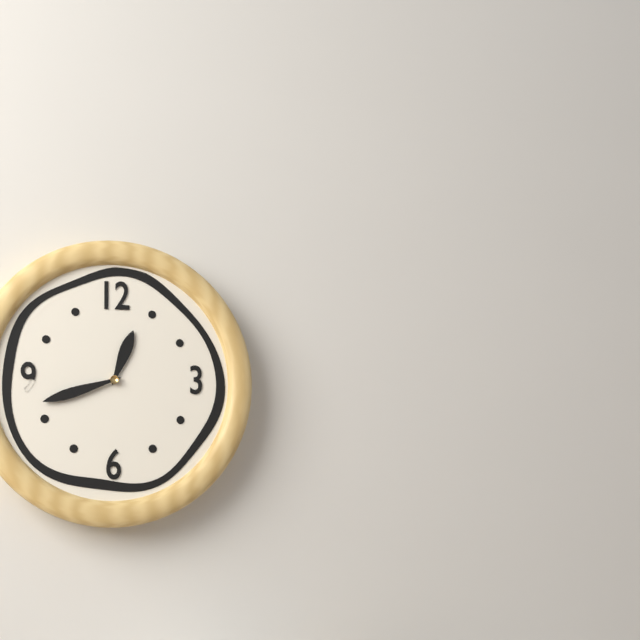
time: **12:42**
